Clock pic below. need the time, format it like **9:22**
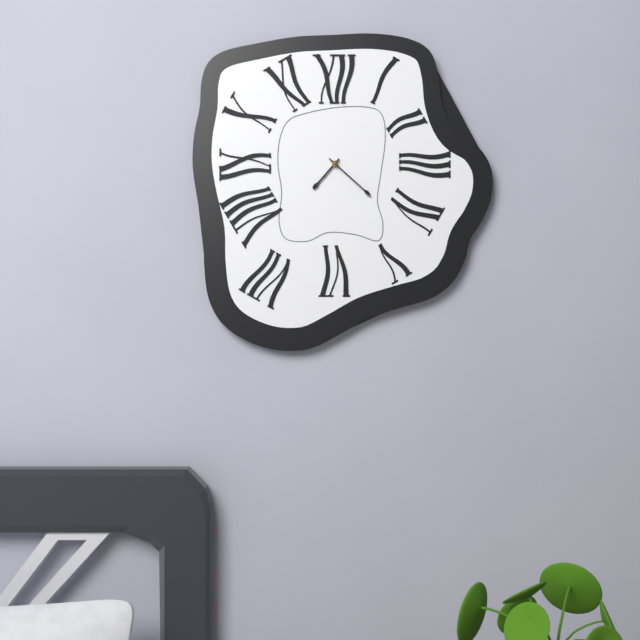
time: **7:22**
